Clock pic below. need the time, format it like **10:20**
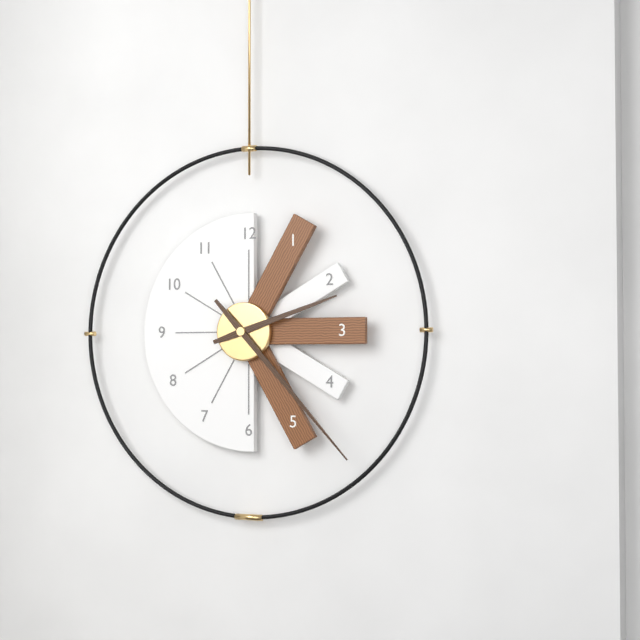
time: **2:23**
